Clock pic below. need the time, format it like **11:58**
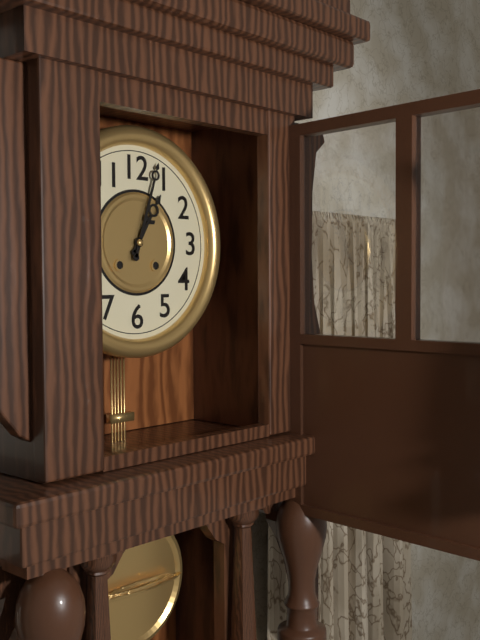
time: **1:03**
